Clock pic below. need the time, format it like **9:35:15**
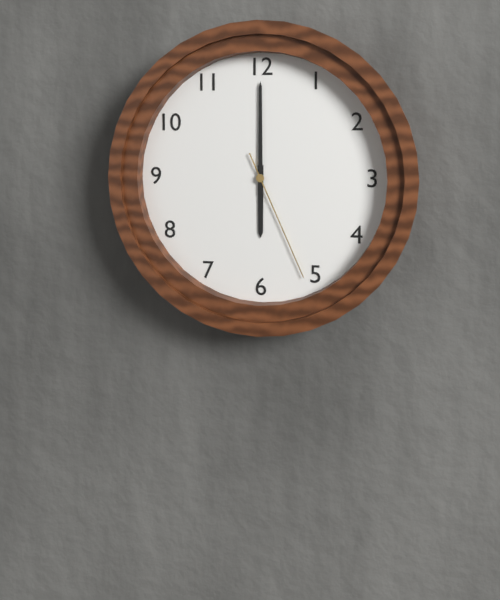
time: **6:00:26**
